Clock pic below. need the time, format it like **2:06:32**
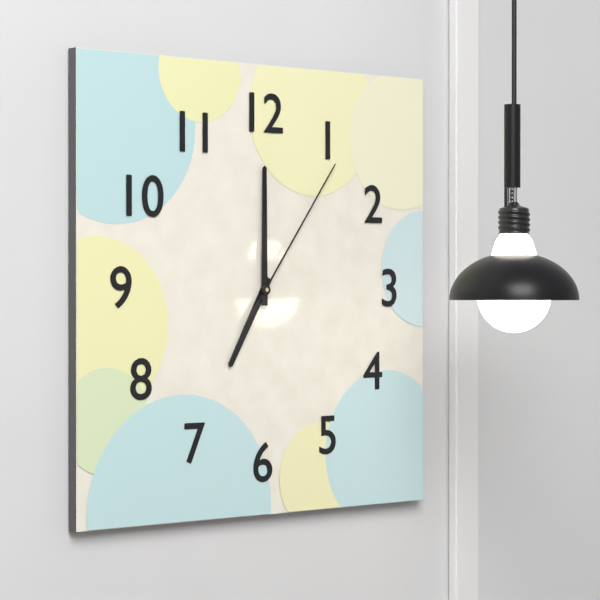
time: **7:00:06**
